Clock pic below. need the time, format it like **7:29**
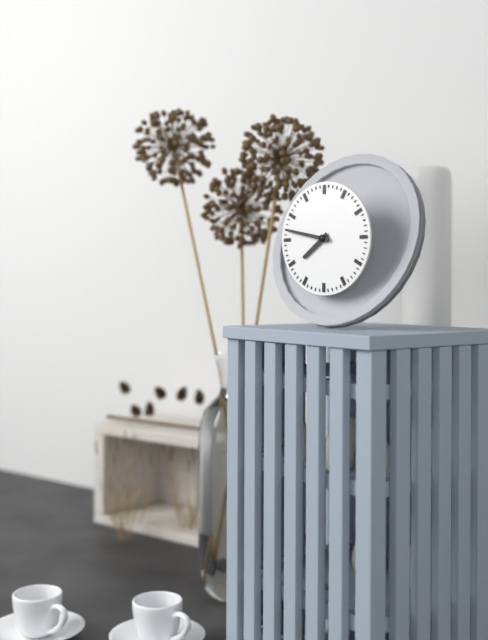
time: **7:47**
